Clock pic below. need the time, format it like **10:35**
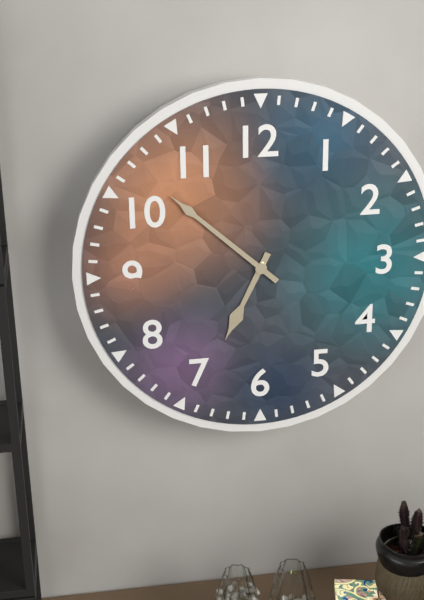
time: **6:52**
